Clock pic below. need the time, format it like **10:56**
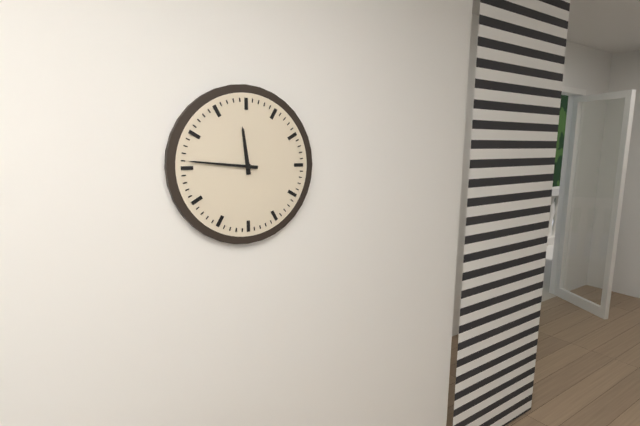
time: **11:46**
